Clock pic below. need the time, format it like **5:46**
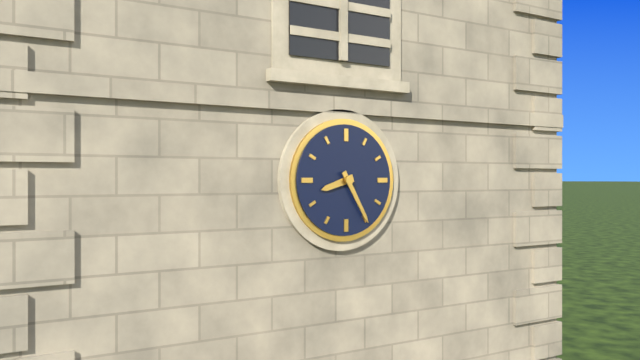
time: **8:25**
